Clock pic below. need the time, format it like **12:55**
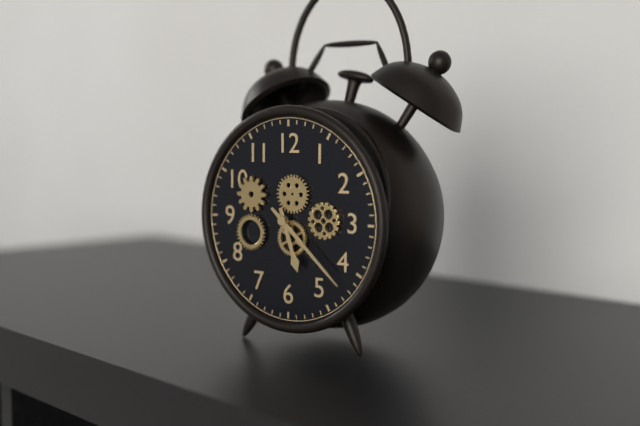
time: **5:22**
